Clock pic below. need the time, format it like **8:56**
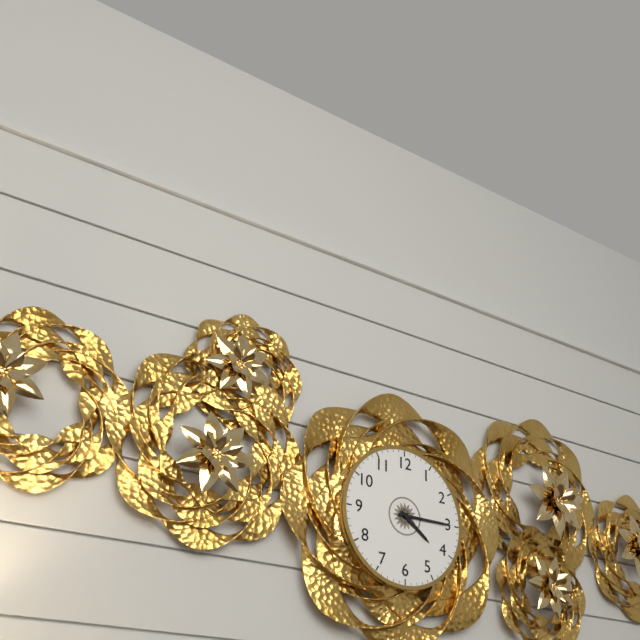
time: **4:15**
